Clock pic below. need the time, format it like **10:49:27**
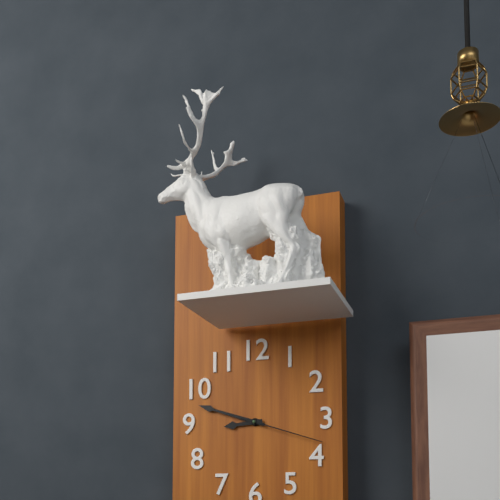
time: **8:48:18**
